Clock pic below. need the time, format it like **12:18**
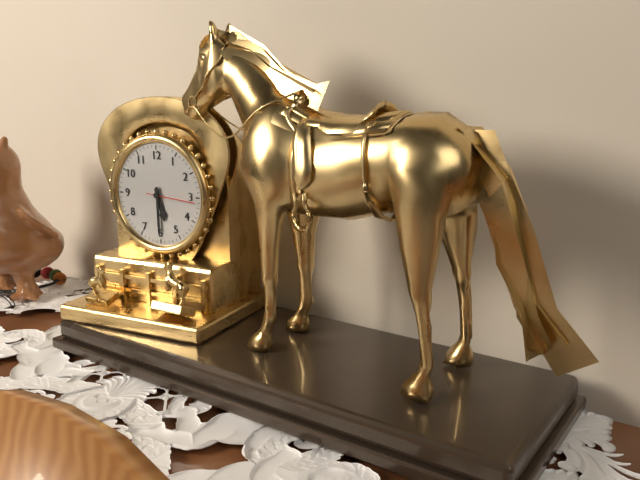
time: **5:30**
